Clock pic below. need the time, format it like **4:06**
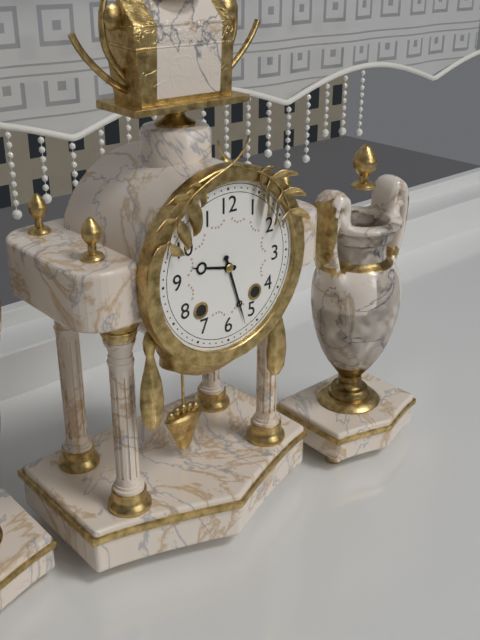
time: **9:27**
